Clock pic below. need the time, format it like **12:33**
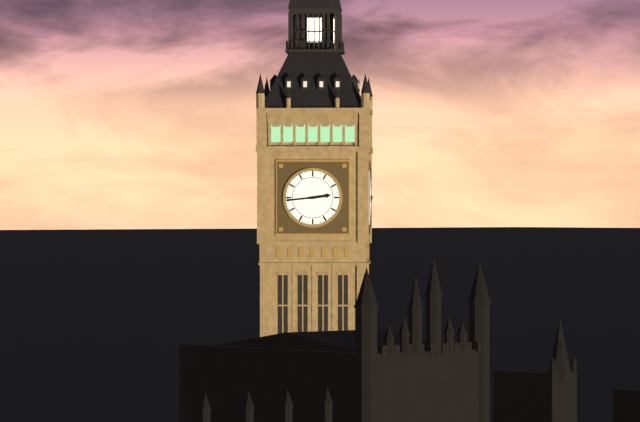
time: **2:44**
